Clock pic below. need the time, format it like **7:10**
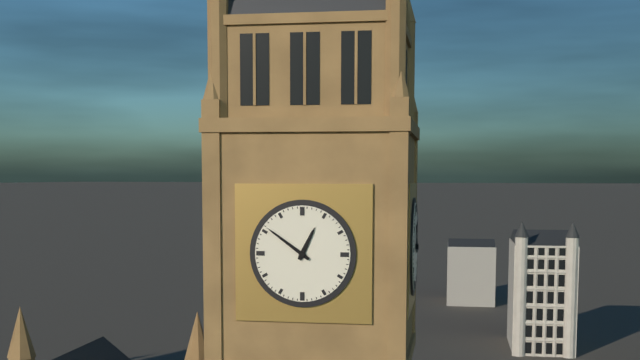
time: **12:51**
